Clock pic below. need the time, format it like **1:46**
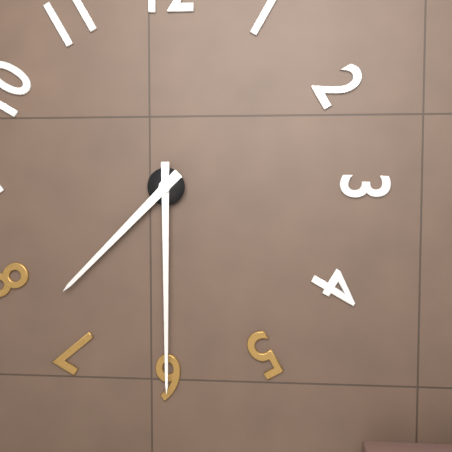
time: **7:30**
